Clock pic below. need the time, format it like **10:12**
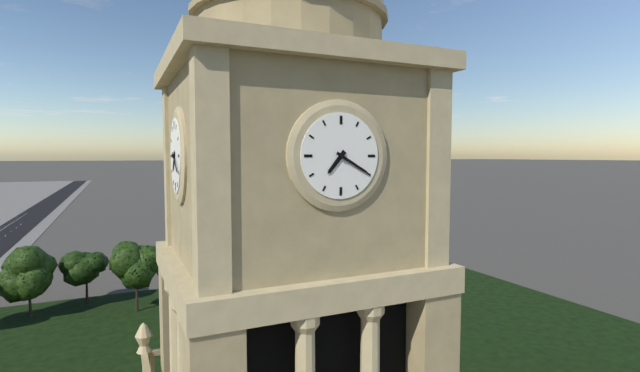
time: **7:20**
